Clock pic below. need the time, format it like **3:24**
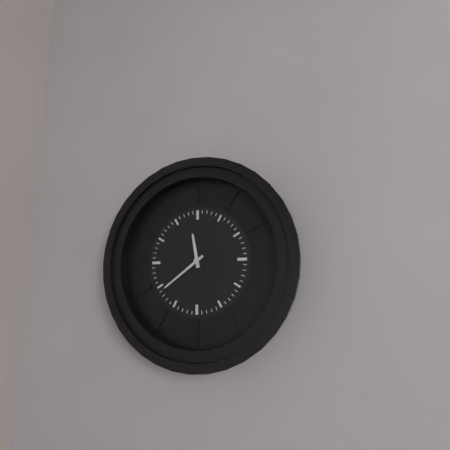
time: **11:39**
